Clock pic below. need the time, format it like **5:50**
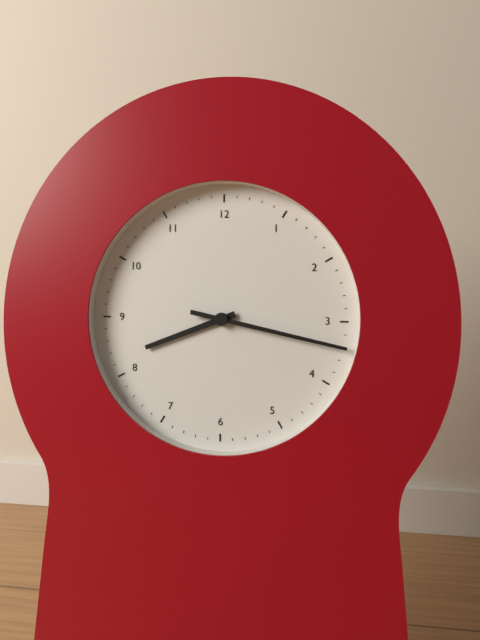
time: **8:17**
